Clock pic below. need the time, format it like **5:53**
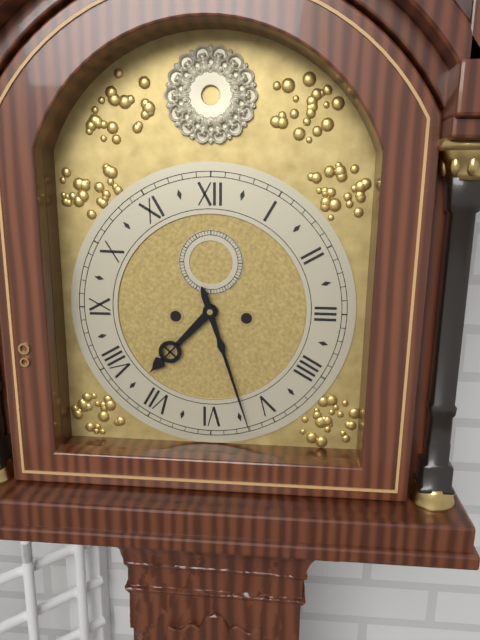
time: **7:27**
